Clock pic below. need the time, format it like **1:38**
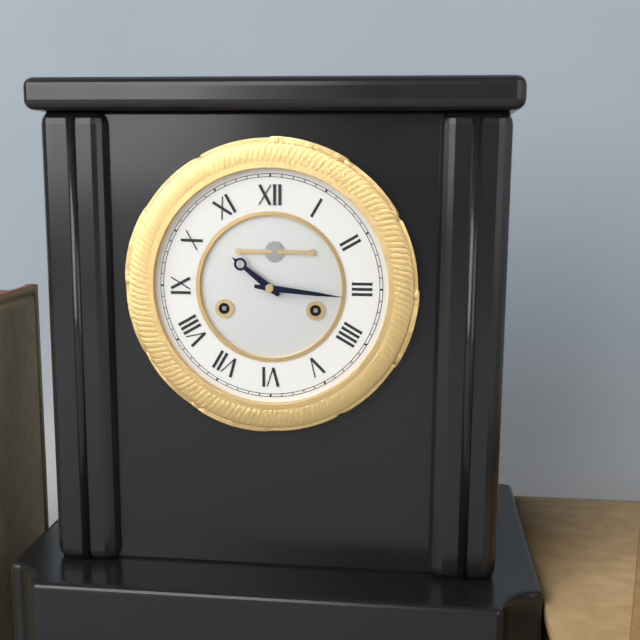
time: **10:16**
